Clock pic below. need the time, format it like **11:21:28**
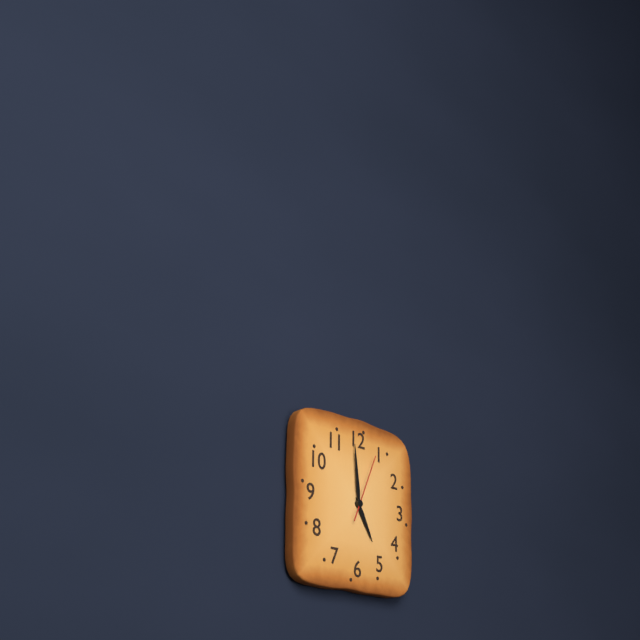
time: **4:59:04**
